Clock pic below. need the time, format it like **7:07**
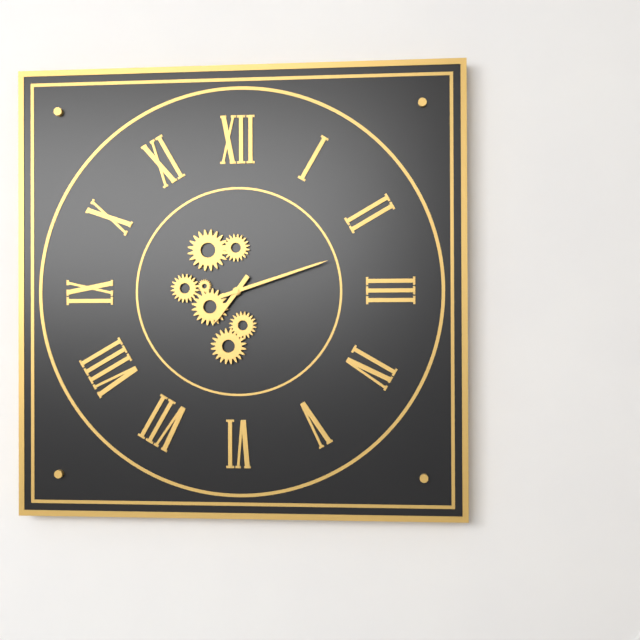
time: **7:12**
